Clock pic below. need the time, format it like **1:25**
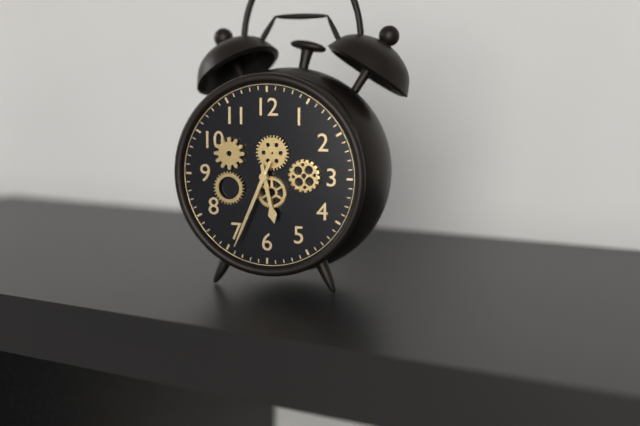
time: **5:34**
